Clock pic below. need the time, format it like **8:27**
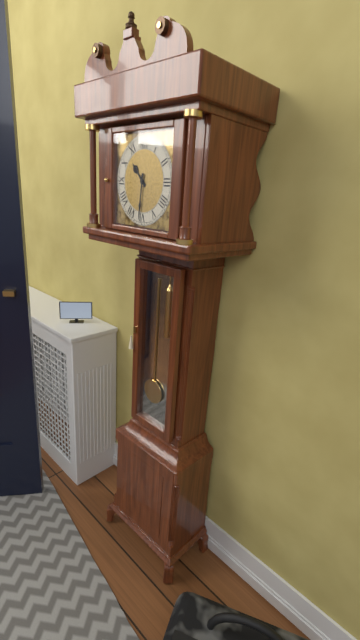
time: **10:31**
